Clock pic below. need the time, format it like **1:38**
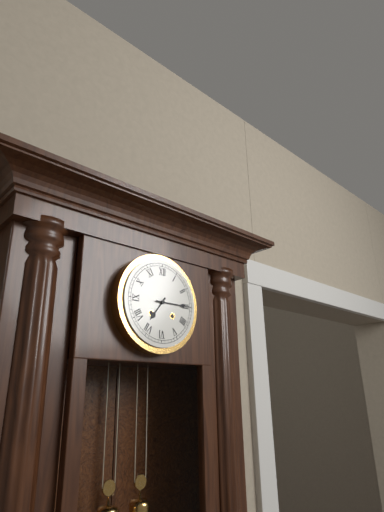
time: **7:15**
